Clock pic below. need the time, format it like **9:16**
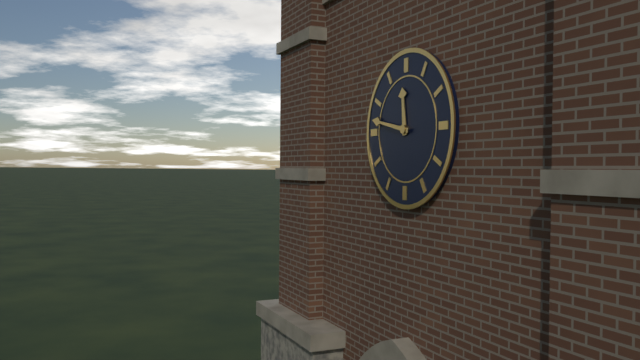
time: **11:47**
